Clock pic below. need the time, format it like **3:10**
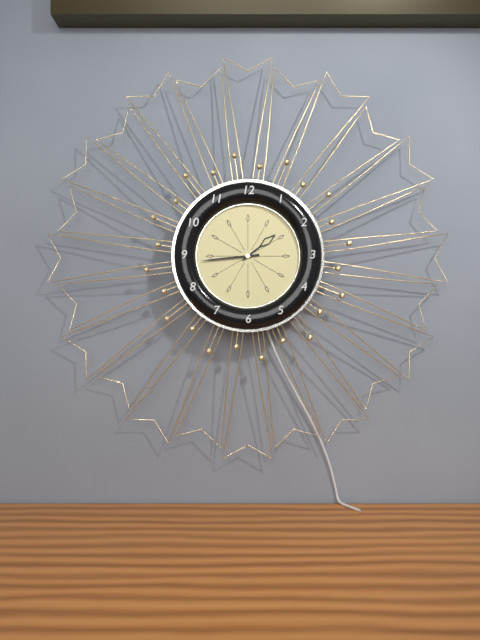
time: **1:44**
